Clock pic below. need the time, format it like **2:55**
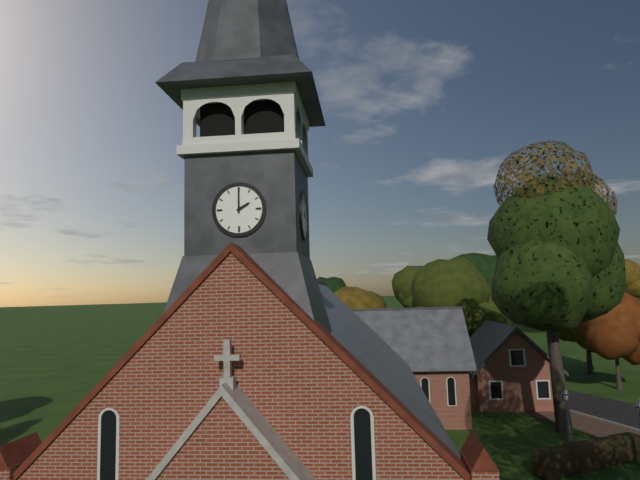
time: **2:00**
